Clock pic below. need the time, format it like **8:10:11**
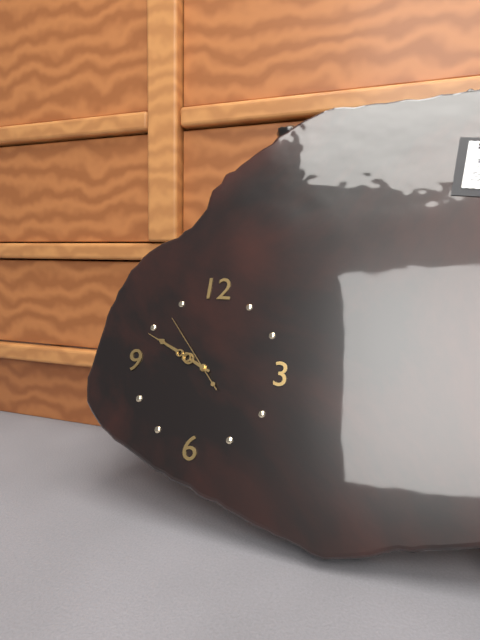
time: **9:49:53**
